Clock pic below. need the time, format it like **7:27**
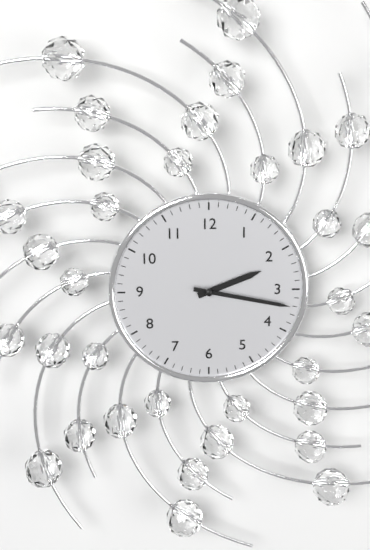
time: **2:17**
